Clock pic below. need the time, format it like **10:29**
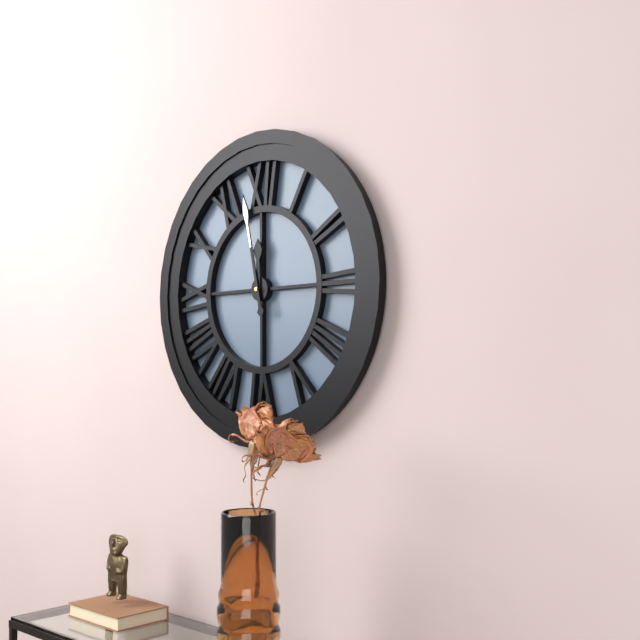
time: **11:58**
